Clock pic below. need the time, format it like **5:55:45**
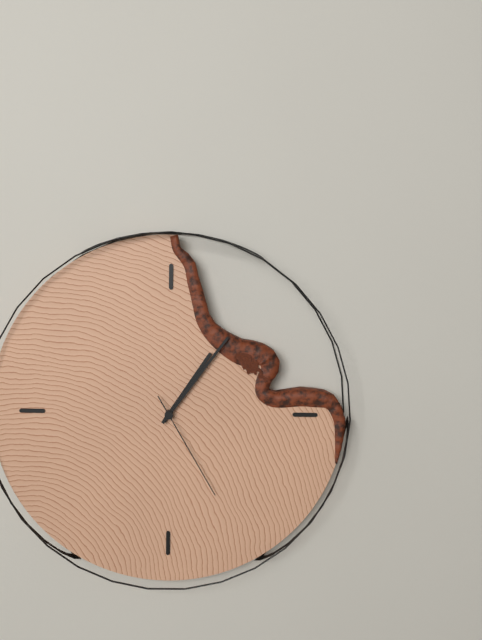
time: **1:06:25**
